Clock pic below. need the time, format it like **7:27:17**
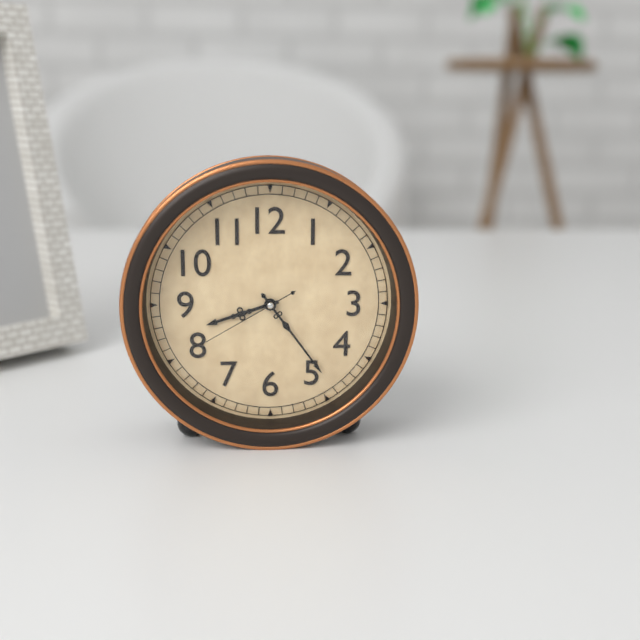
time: **8:24:40**
